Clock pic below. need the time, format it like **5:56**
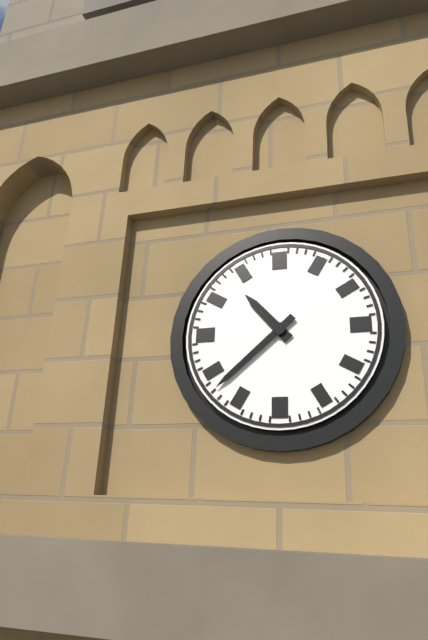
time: **10:38**
